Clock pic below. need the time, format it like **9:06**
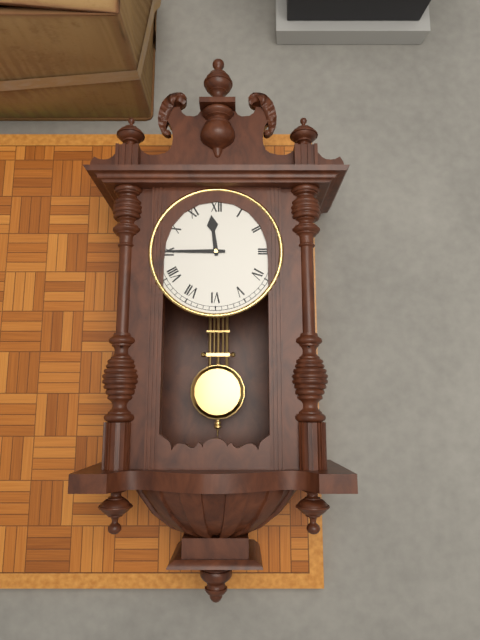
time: **11:45**
